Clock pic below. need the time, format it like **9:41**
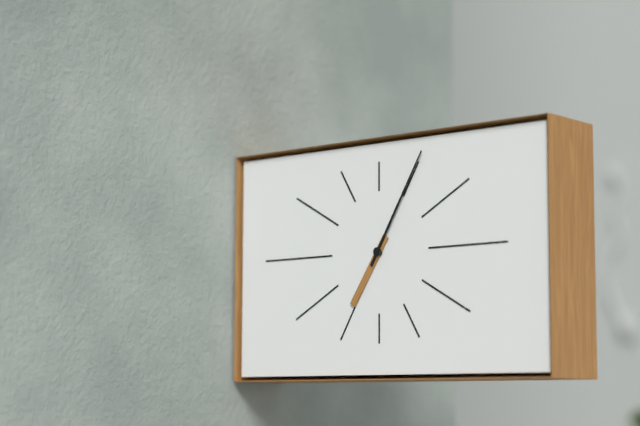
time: **7:05**
